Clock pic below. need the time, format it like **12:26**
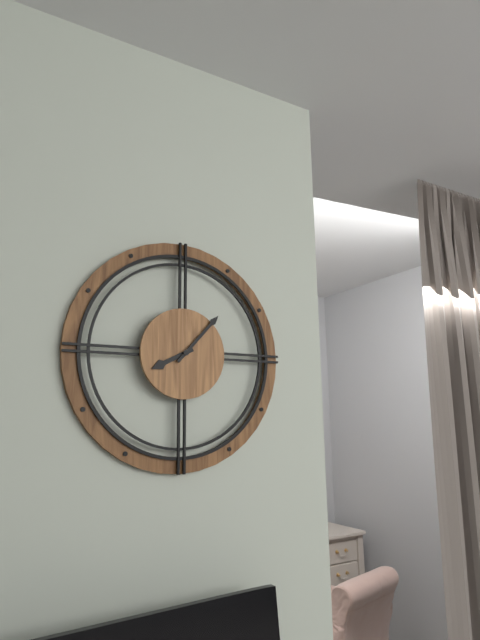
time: **8:07**
